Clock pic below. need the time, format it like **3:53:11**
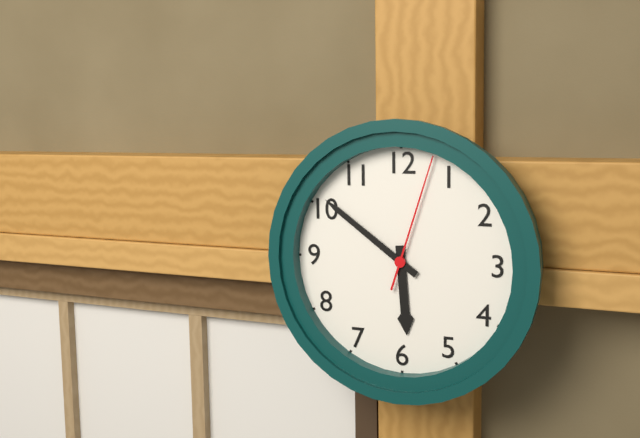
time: **5:51:03**
